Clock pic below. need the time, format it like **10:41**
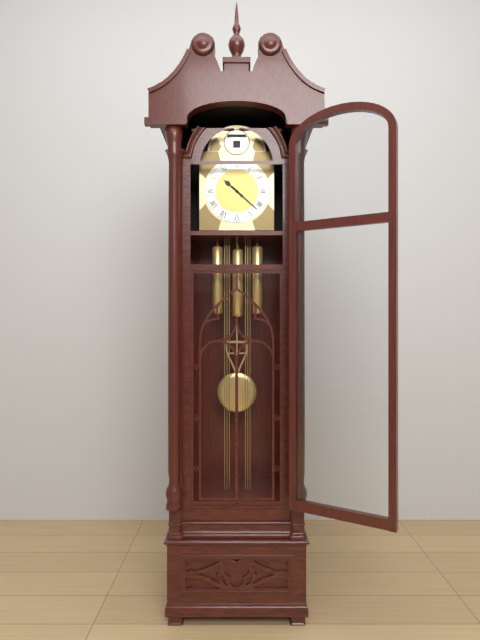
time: **10:22**
